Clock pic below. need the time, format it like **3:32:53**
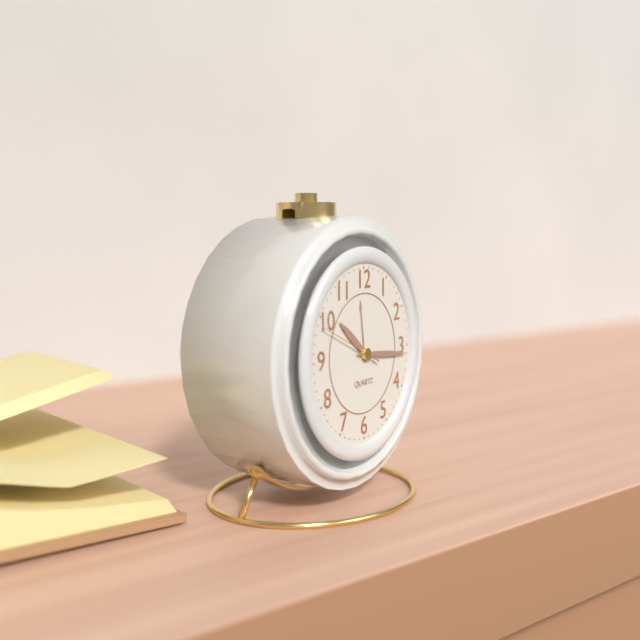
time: **10:16:49**
